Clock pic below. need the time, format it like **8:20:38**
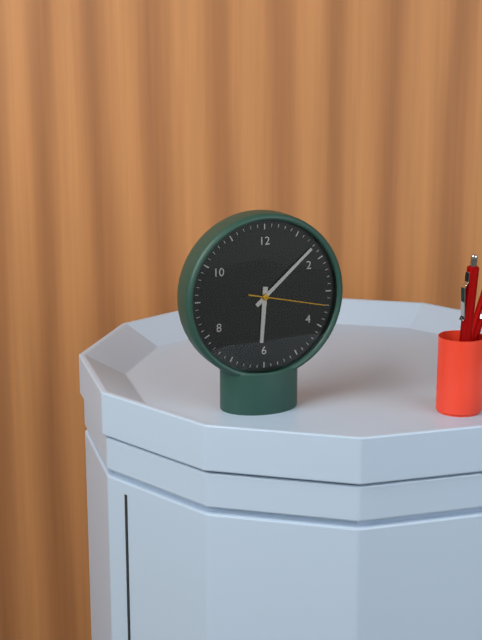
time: **6:08:17**
